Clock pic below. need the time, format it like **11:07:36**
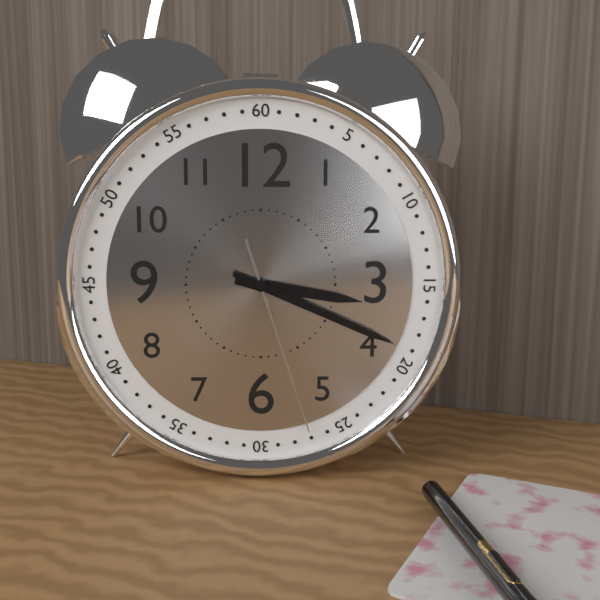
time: **3:19:27**
